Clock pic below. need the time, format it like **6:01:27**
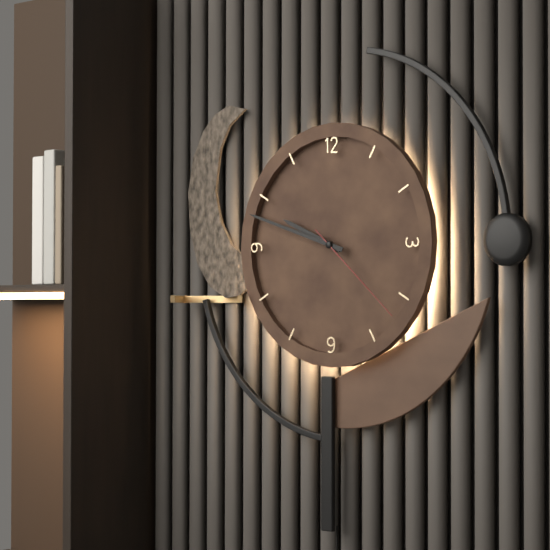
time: **9:48:22**
